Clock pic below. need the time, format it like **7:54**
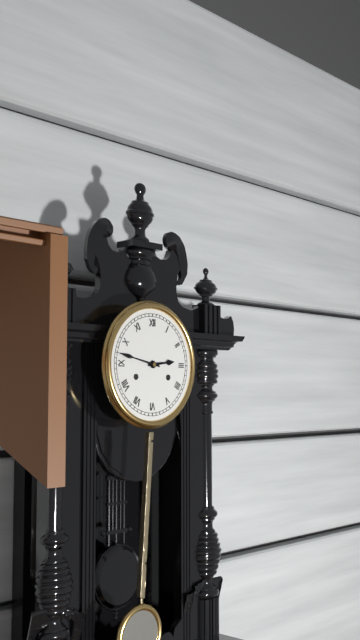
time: **2:47**
